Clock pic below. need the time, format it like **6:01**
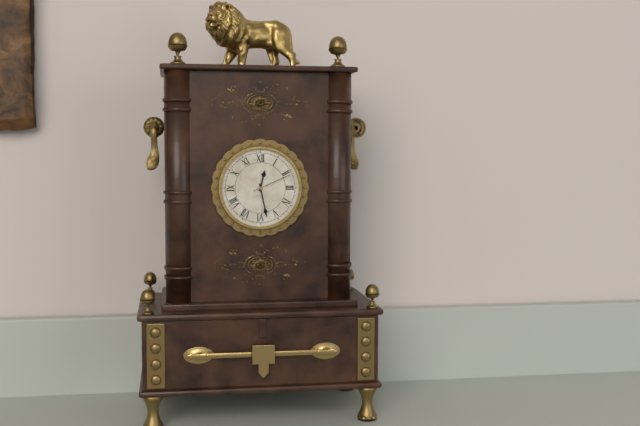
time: **12:28**
